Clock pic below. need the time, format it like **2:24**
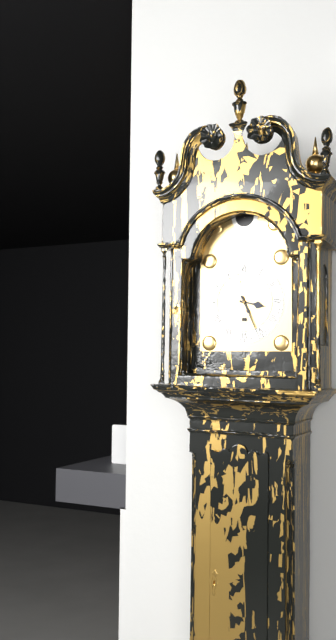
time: **3:26**
